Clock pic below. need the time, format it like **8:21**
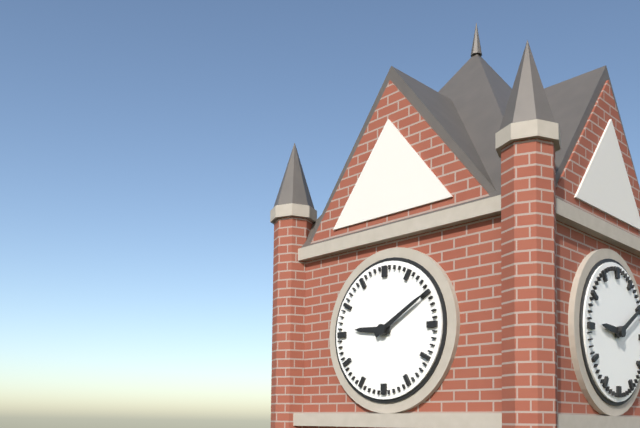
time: **9:10**
